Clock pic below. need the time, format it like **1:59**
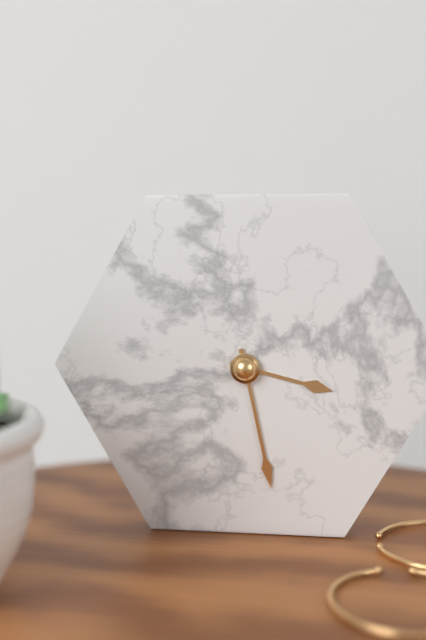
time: **3:28**
